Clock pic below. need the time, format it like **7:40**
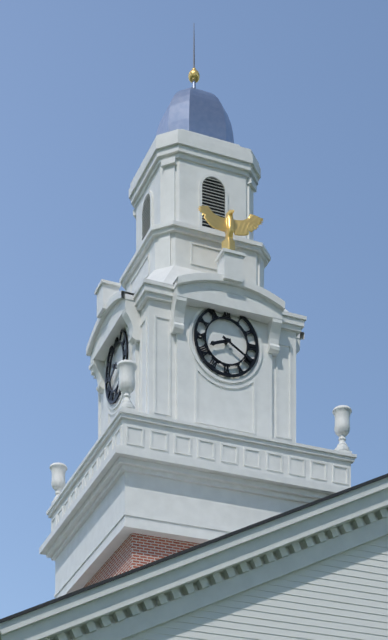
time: **8:20**
